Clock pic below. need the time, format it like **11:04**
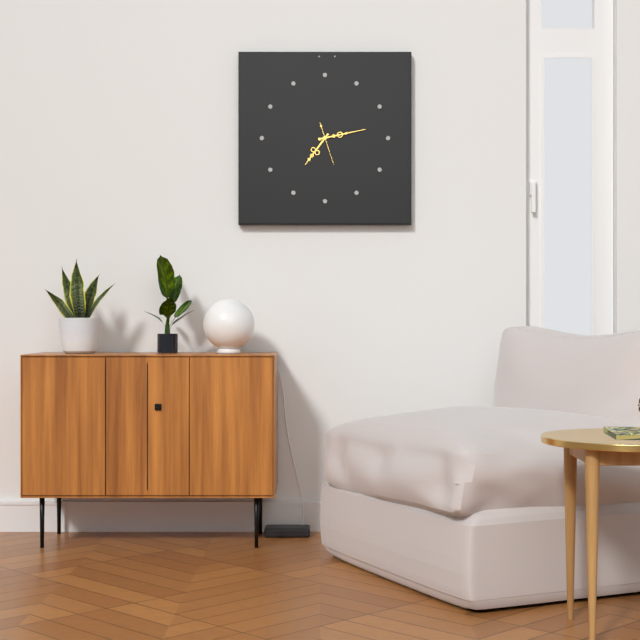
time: **7:13**
